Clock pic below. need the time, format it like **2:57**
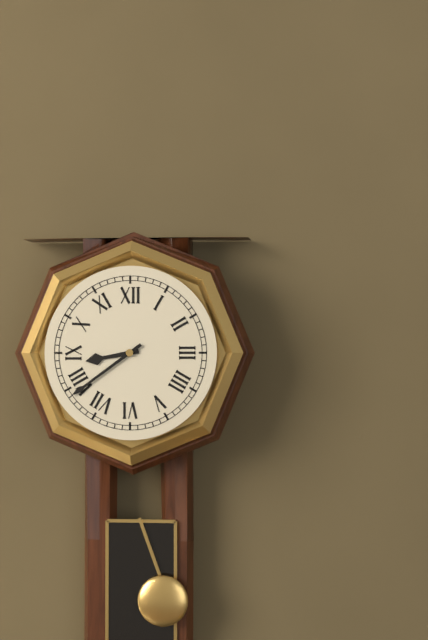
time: **8:39**
